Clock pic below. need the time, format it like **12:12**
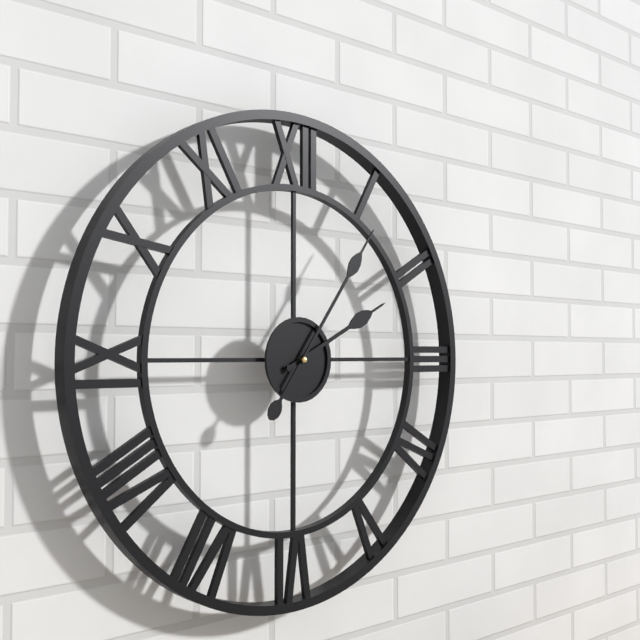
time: **2:06**
